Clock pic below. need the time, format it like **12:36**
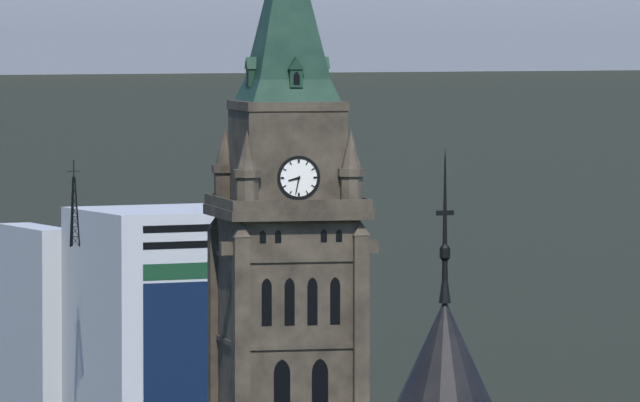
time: **8:32**
